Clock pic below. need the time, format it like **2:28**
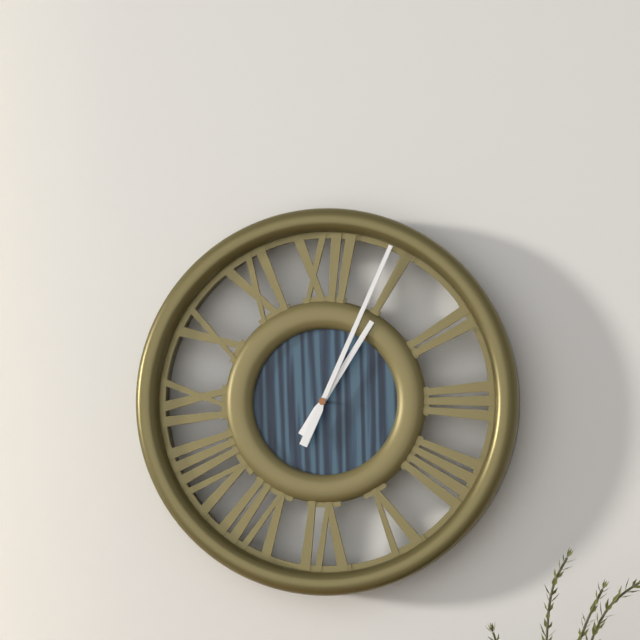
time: **1:04**
